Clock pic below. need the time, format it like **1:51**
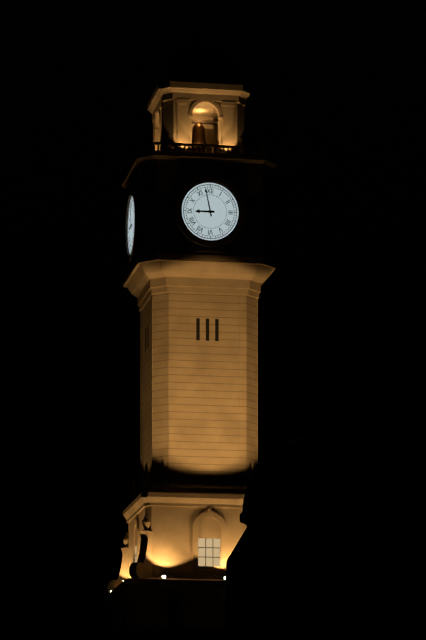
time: **8:58**
